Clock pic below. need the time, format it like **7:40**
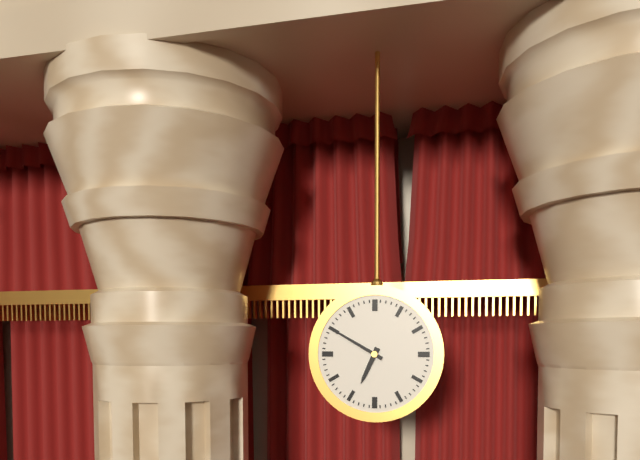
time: **6:50**
